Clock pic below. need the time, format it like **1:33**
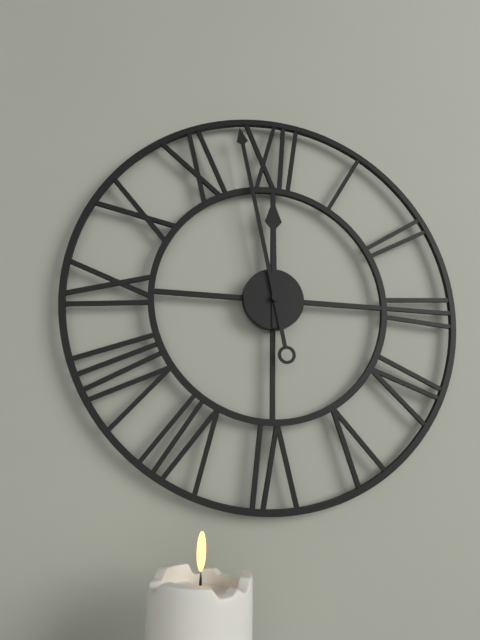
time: **11:58**
